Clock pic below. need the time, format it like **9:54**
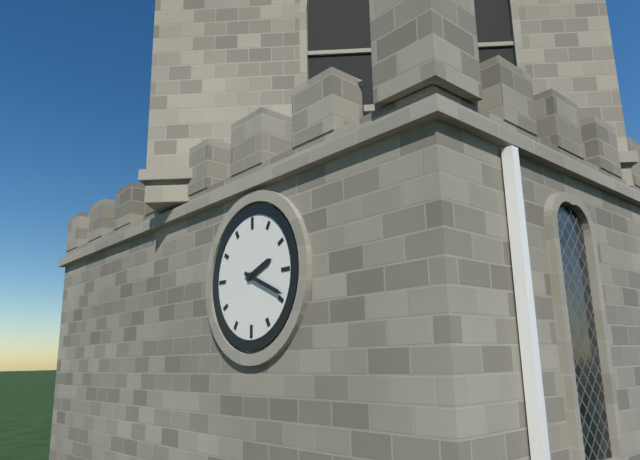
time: **2:19**
